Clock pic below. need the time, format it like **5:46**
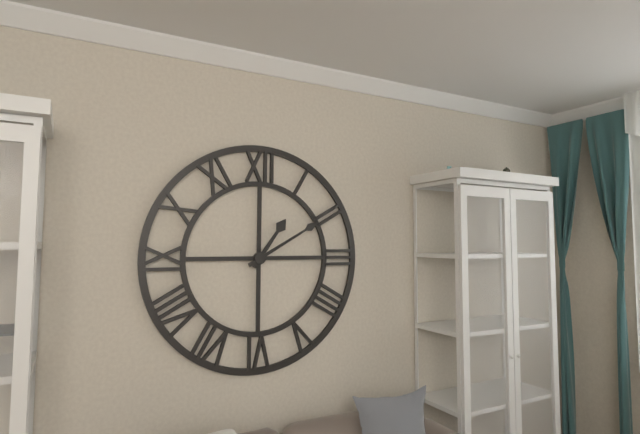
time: **1:10**
